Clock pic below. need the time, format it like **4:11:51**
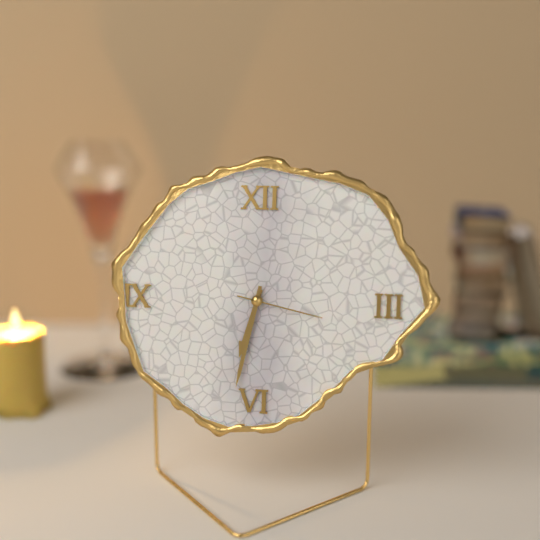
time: **6:32:17**
